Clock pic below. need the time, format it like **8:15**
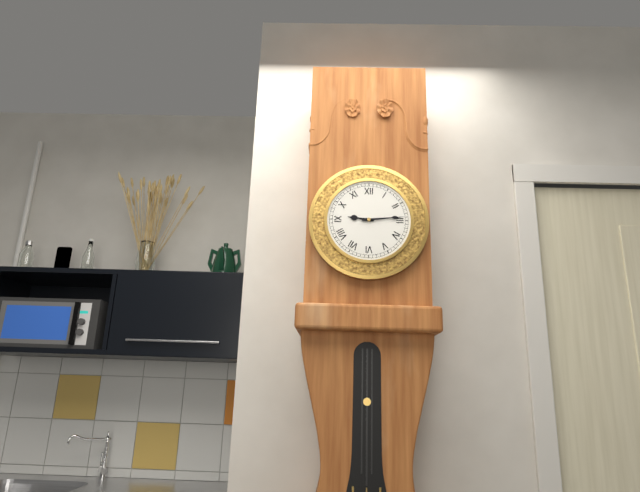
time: **9:14**
